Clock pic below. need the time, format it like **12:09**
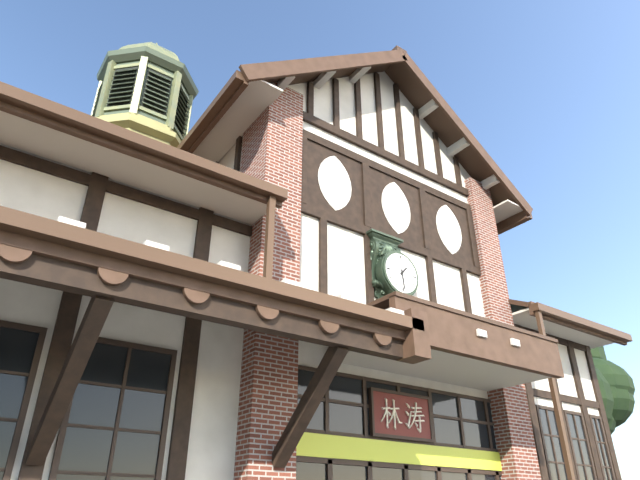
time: **1:29**
